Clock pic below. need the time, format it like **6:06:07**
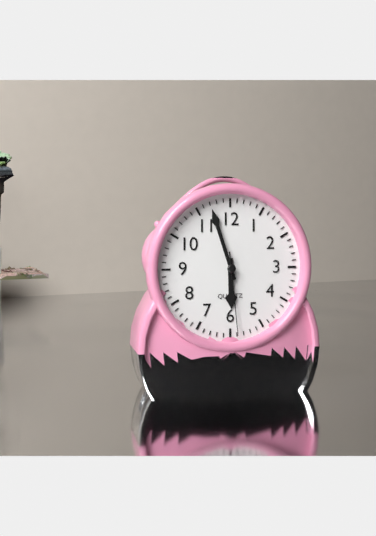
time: **5:57:29**
